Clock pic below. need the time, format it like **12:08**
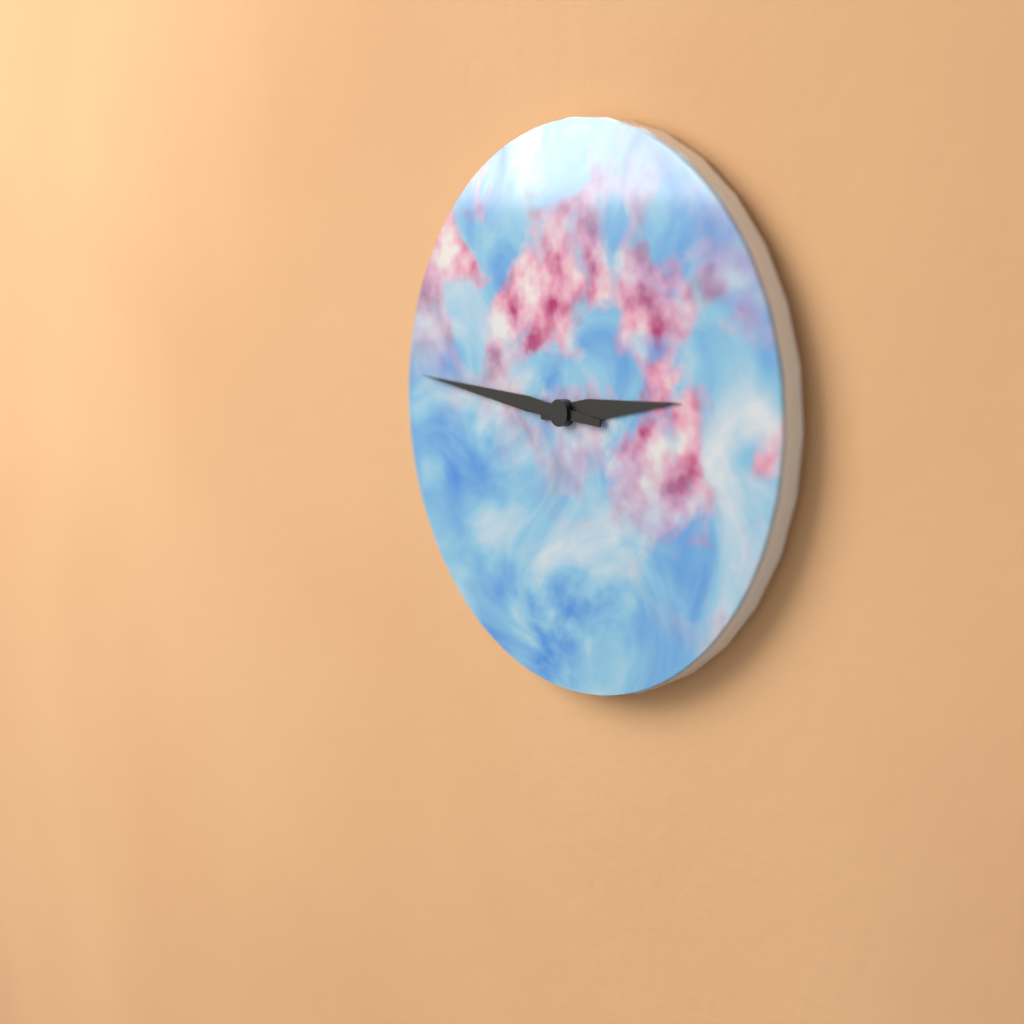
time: **2:46**
